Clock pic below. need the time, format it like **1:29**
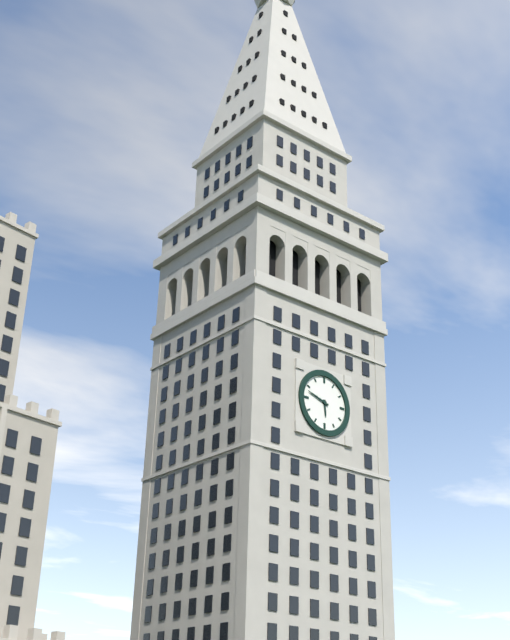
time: **5:48**
